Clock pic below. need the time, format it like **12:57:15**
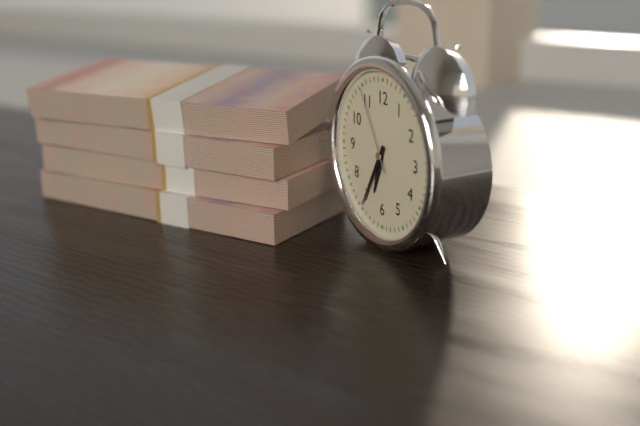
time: **6:35:55**
